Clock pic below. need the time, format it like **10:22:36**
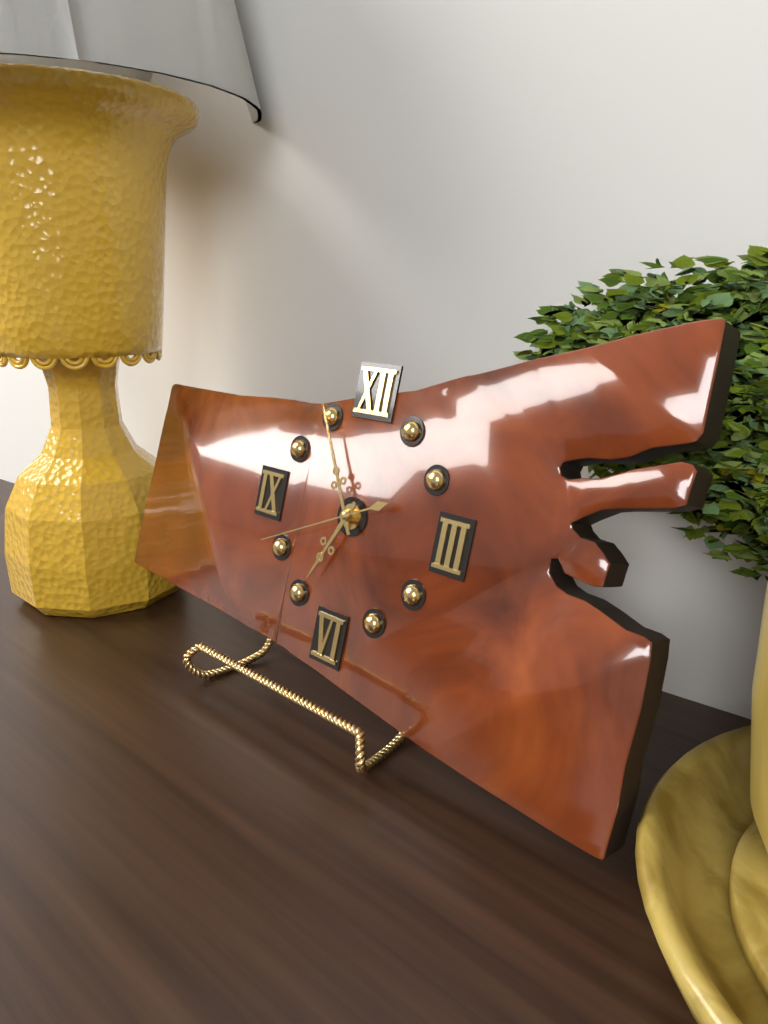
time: **6:55:41**
